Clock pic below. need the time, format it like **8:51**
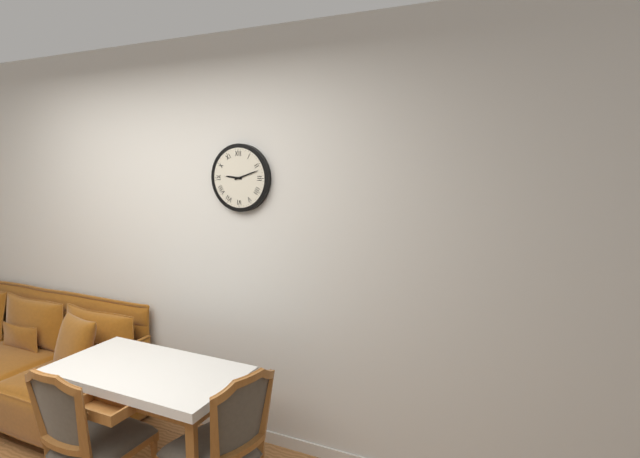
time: **9:12**
